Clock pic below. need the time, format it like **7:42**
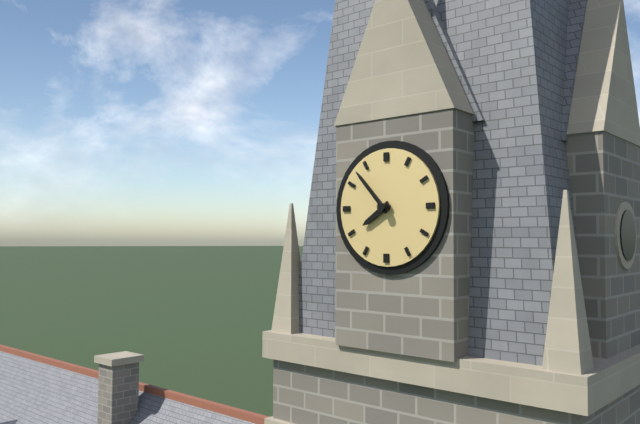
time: **7:53**
